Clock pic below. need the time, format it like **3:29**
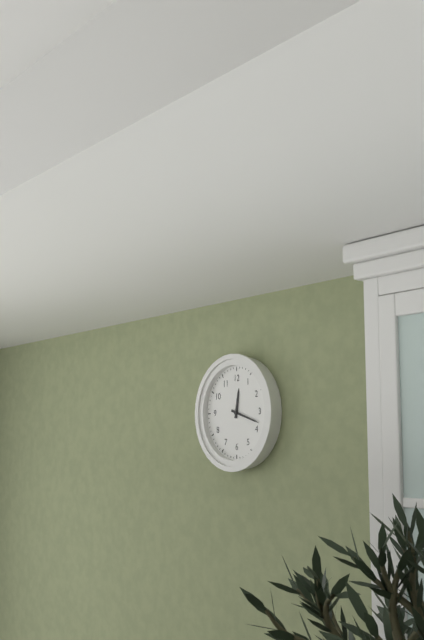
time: **12:18**
